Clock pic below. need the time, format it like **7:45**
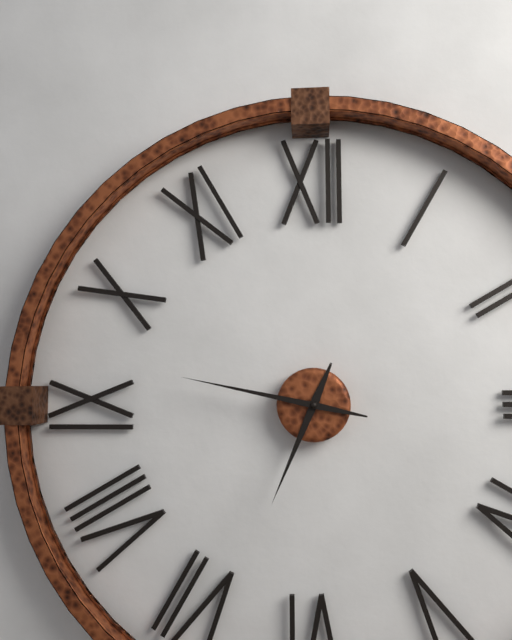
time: **6:47**
